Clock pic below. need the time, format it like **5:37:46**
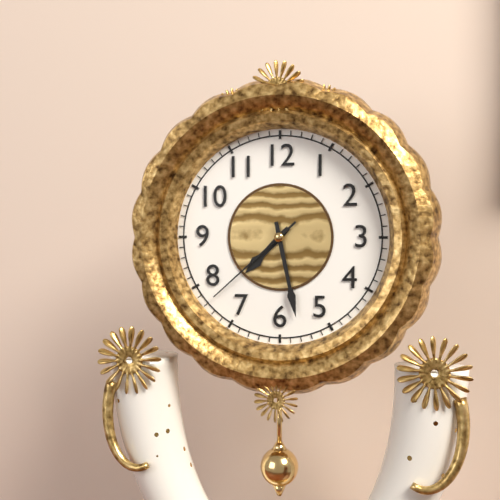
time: **7:28:38**
